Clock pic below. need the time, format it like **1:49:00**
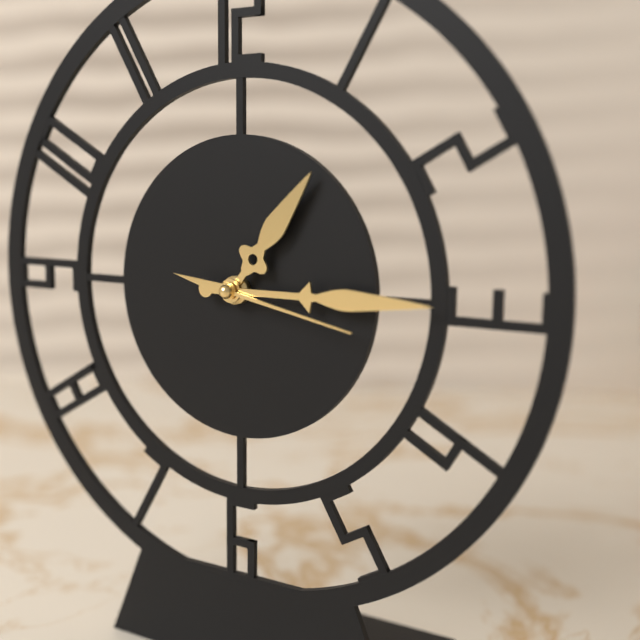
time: **1:15:17**
